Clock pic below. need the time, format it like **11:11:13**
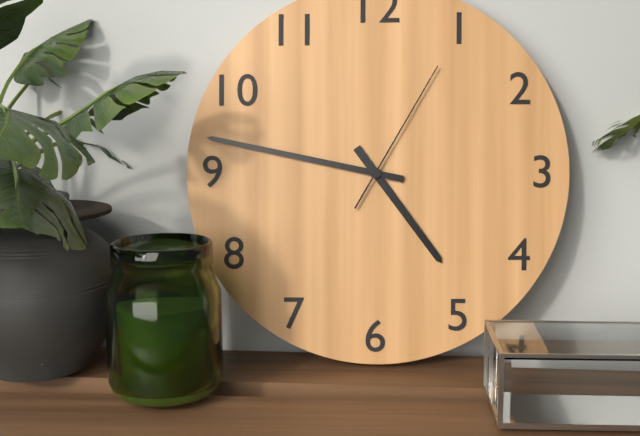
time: **4:47:05**
